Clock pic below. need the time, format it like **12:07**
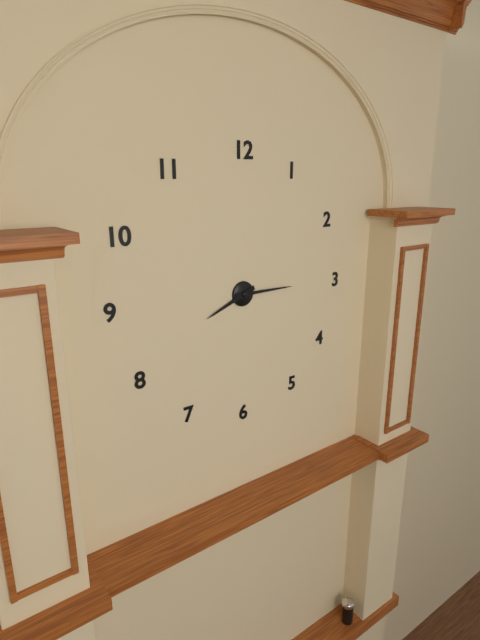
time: **8:15**
